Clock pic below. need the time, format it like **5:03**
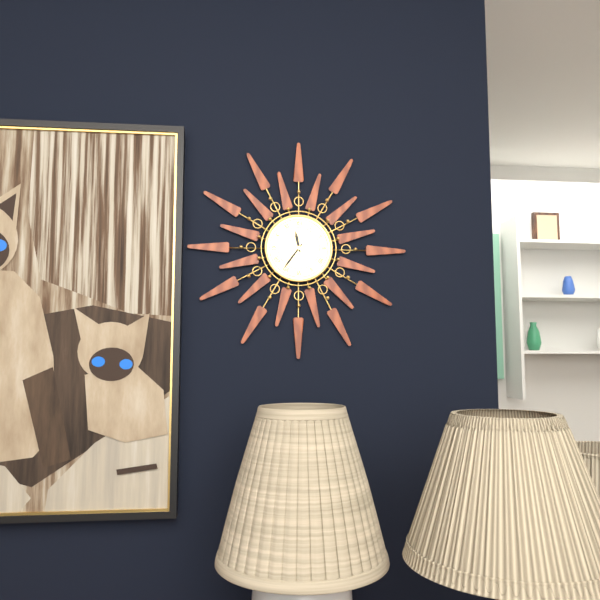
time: **11:36**
